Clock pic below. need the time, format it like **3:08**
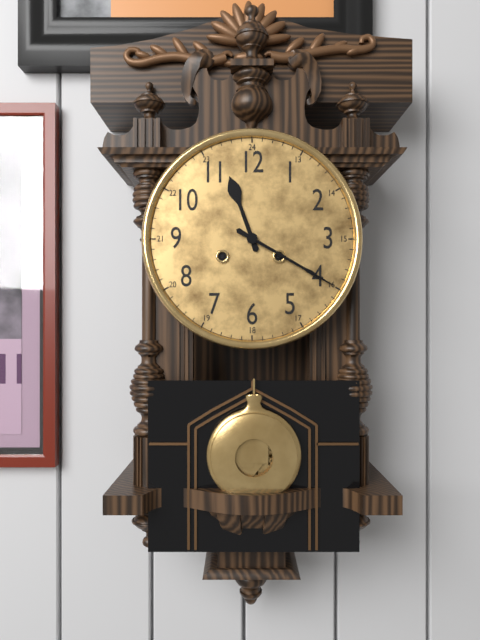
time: **11:20**
